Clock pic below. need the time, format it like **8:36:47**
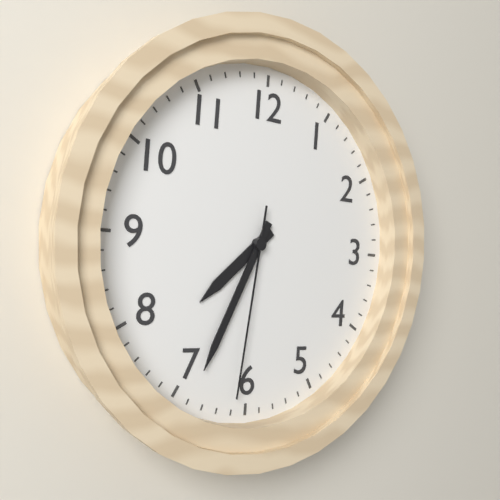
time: **7:34:31**
